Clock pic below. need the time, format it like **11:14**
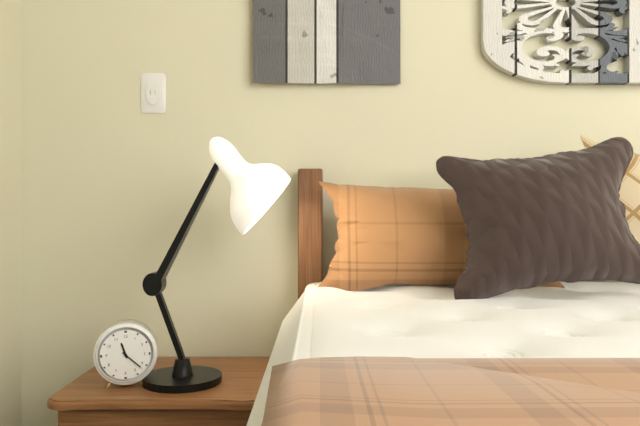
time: **11:22**
